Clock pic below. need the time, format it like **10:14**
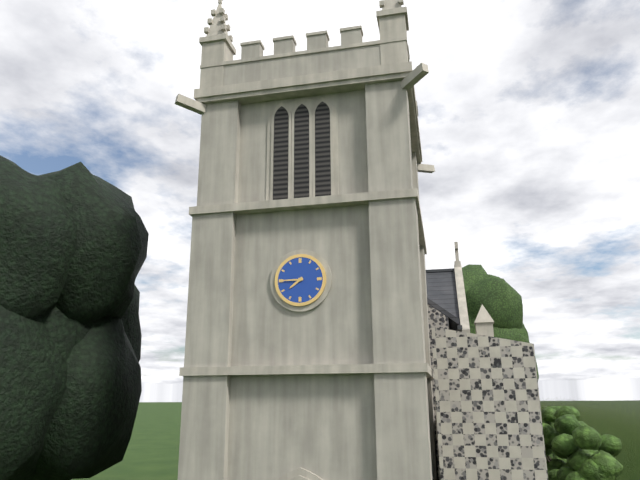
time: **7:45**
